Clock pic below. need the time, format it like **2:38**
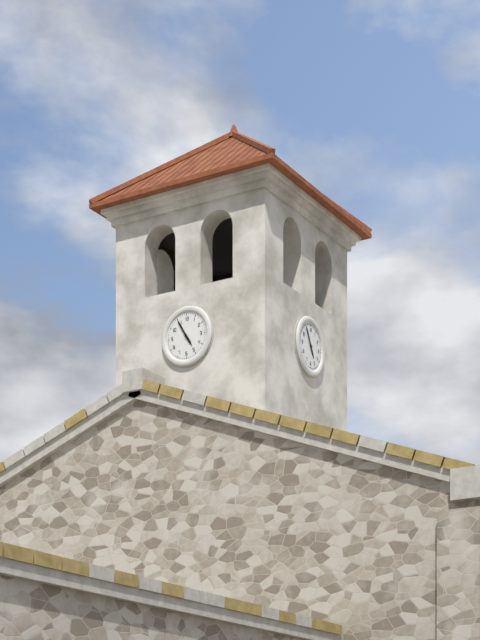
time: **4:55**
